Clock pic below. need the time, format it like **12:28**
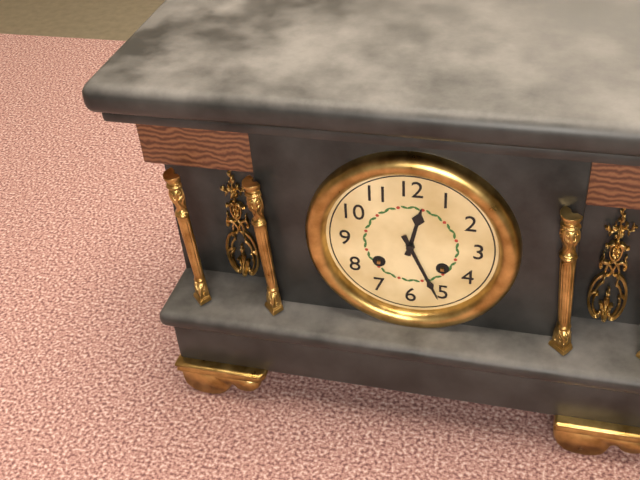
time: **12:26**
